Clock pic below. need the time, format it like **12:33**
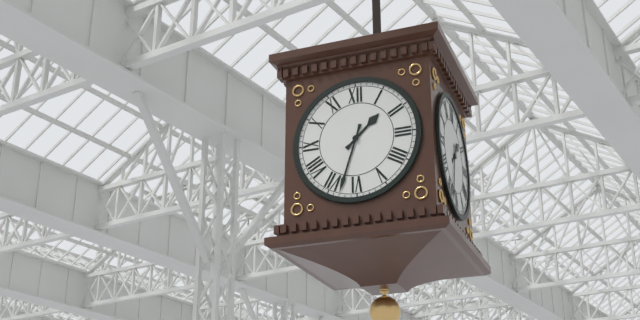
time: **1:33**
